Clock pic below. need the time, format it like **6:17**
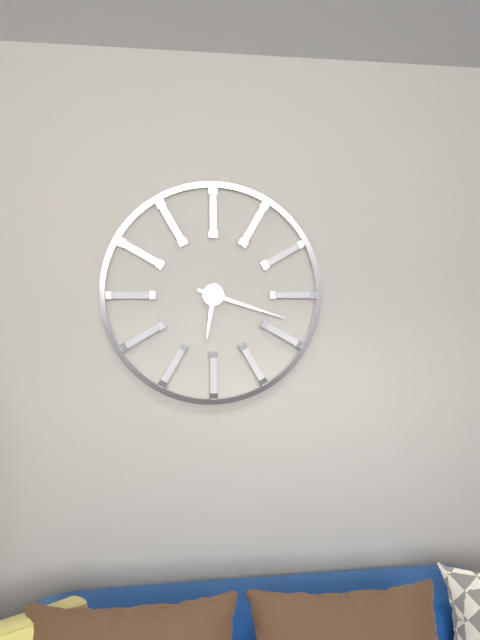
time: **6:18**
